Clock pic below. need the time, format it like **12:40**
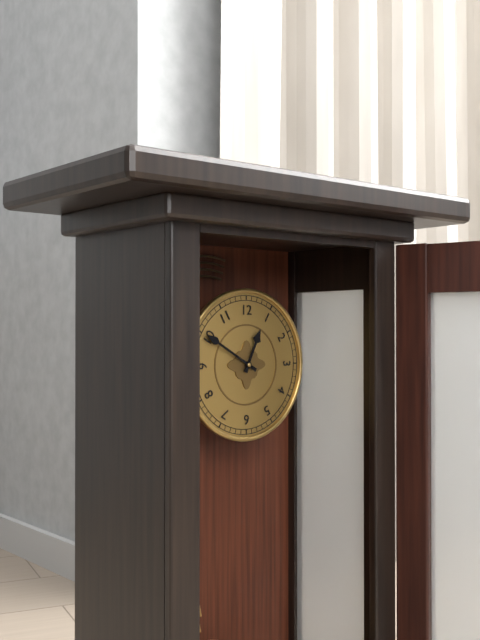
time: **12:50**
